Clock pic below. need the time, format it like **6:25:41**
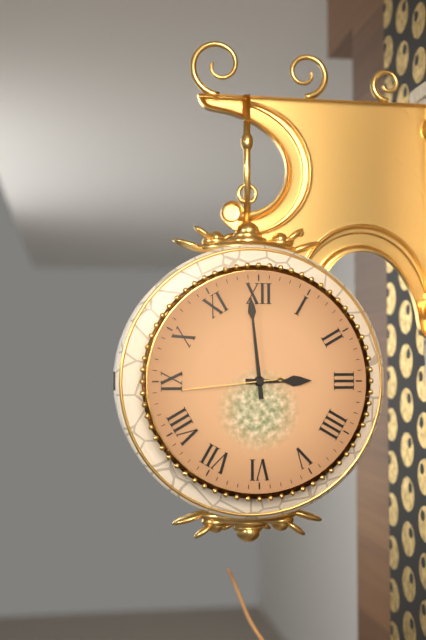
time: **2:59:44**
